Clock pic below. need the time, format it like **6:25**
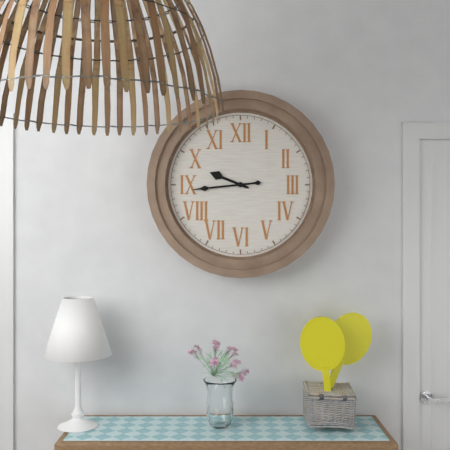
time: **9:44**
